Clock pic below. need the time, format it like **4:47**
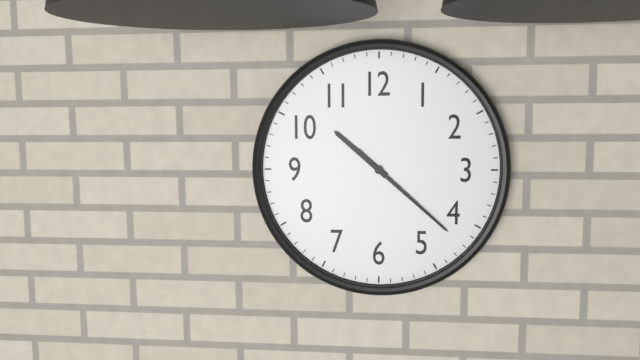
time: **10:22**
